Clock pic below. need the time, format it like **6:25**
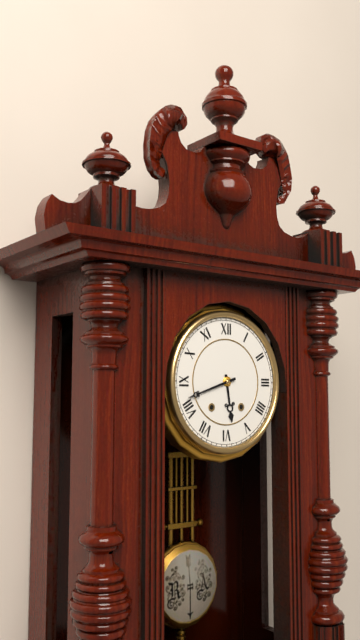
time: **5:42**
